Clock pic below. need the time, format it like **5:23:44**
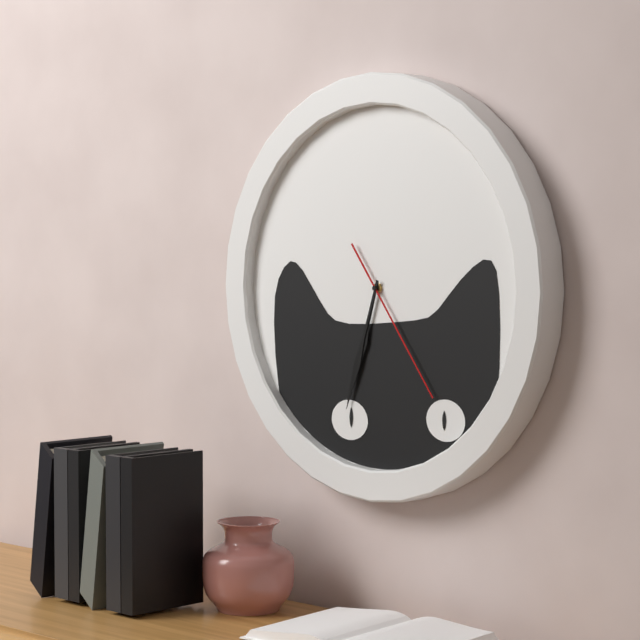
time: **6:33:24**
